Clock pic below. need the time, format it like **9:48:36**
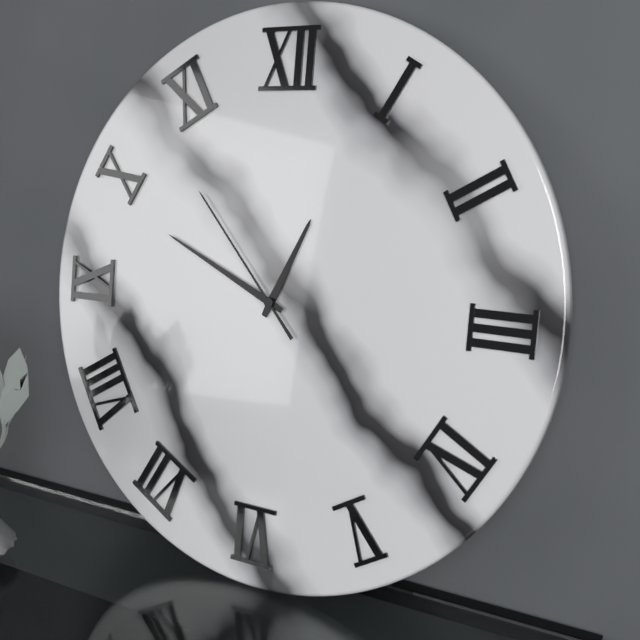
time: **12:49:53**
